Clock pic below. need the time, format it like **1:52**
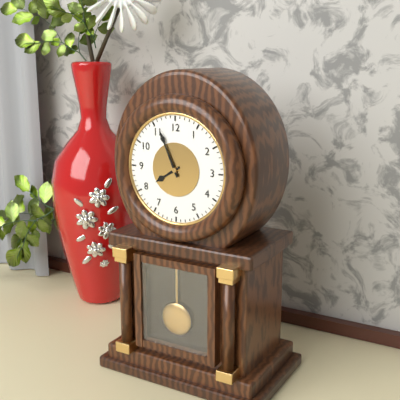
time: **7:56**
